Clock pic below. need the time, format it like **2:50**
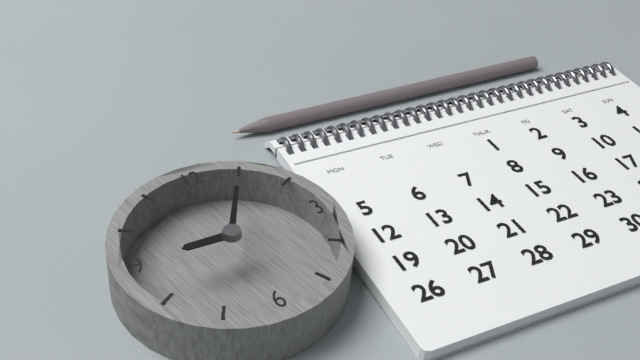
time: **9:05**
